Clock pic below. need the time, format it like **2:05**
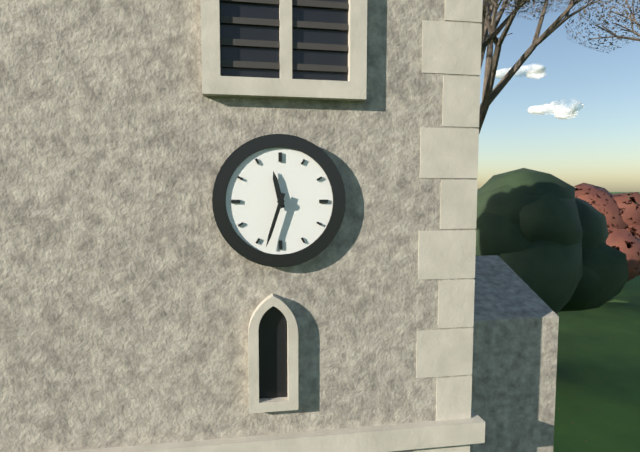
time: **11:33**
